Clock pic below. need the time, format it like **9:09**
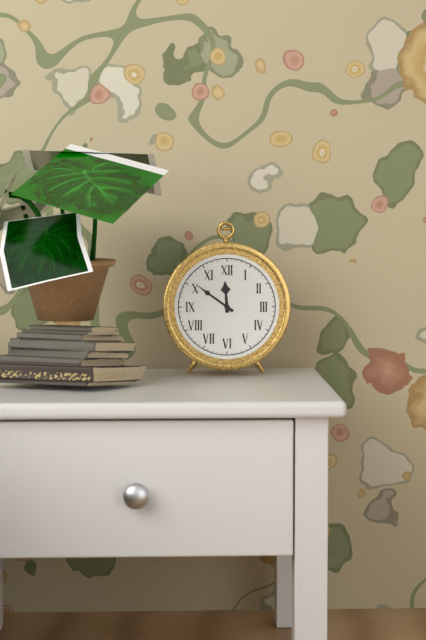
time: **11:51**
